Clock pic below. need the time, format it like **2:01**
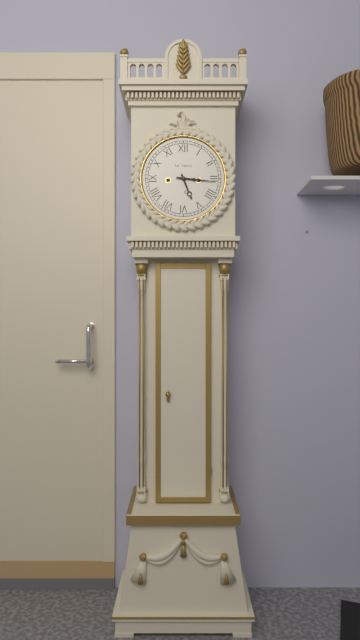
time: **5:16**
